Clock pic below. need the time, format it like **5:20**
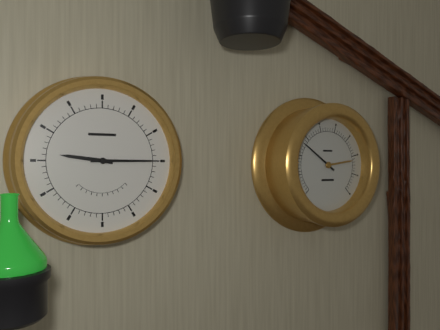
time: **9:15**
